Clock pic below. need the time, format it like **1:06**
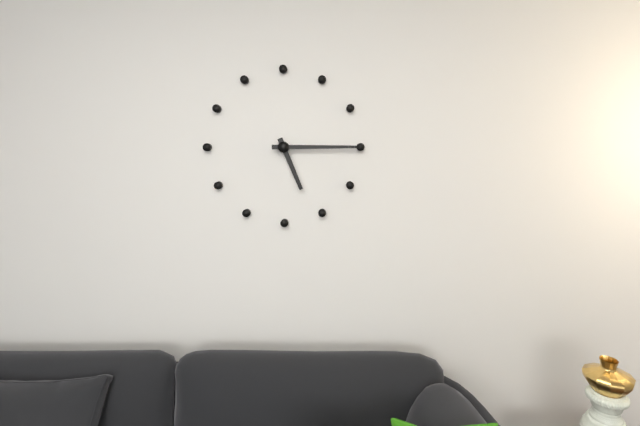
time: **5:15**
